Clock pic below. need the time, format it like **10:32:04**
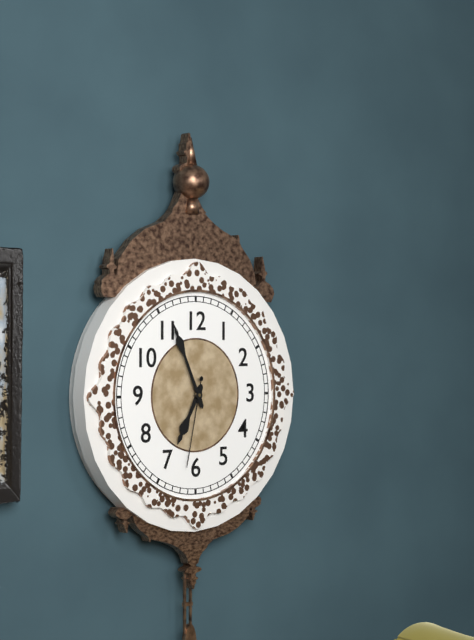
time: **6:56:32**
